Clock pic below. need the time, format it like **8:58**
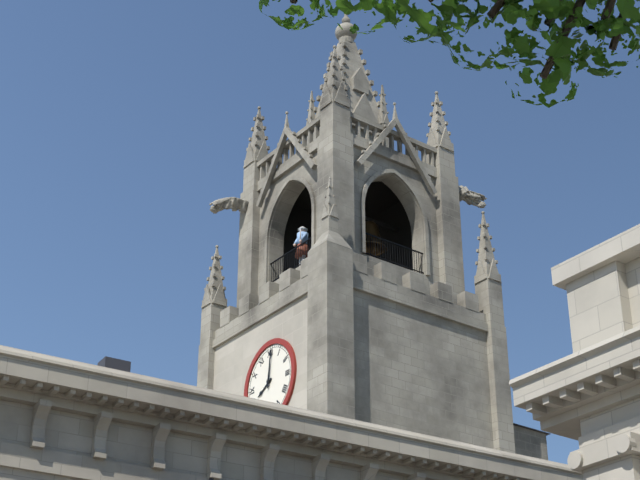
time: **8:01**
